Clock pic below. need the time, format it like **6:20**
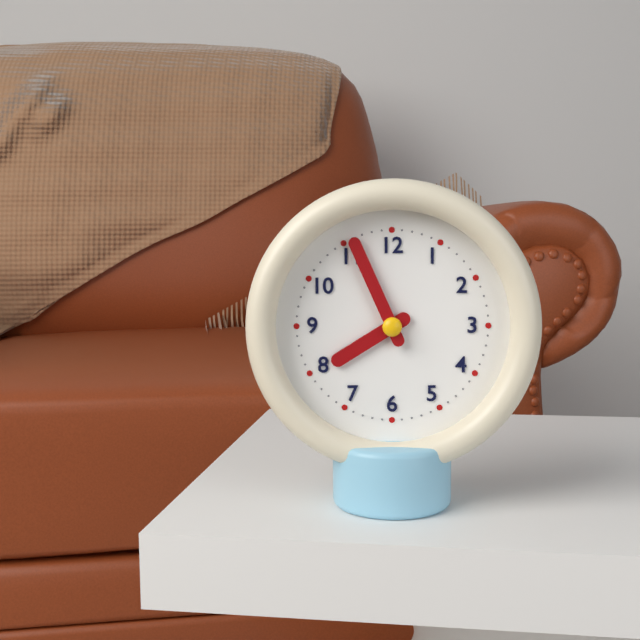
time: **7:56**
